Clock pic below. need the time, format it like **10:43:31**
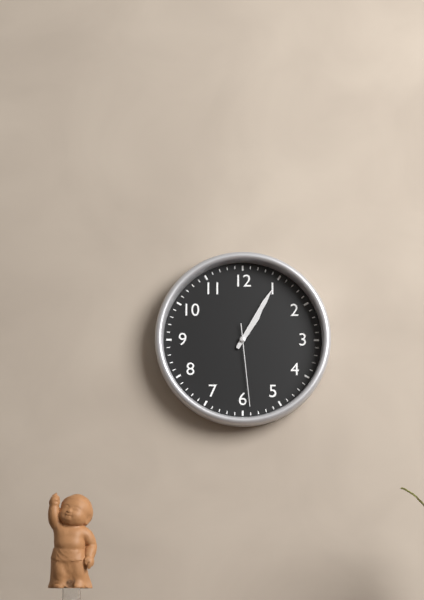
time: **1:05:29**
